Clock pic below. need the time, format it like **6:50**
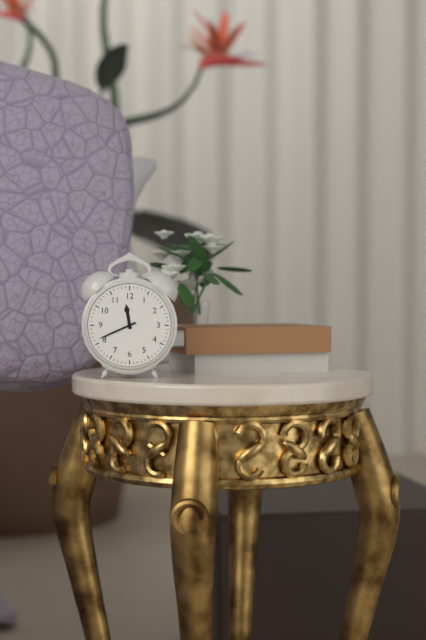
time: **11:41**
